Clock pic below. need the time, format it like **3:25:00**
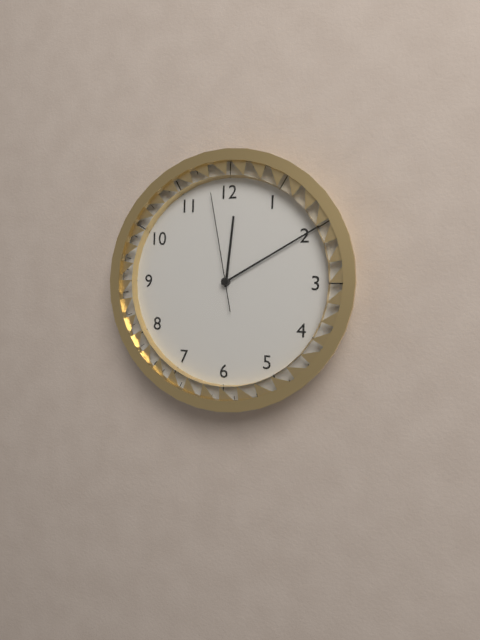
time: **12:10:58**
